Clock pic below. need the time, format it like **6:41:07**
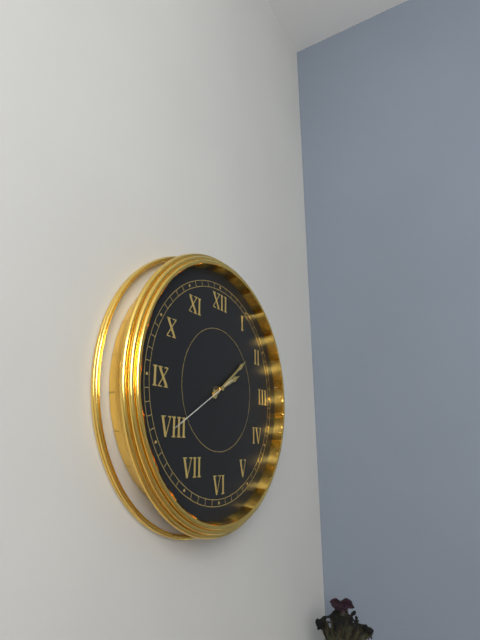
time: **2:09:40**
